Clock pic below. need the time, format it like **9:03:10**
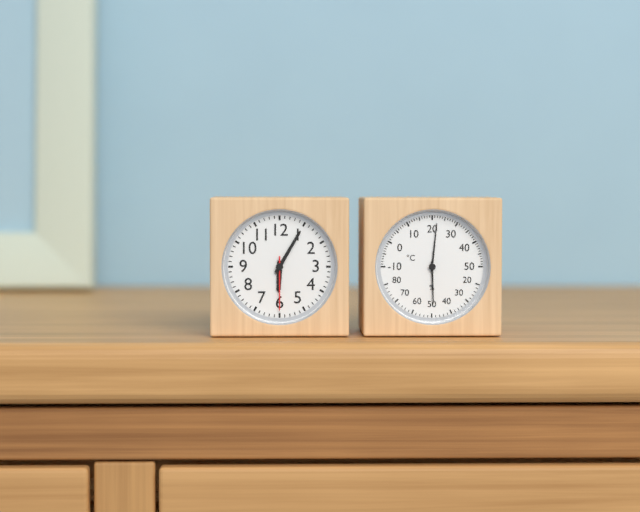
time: **6:05:30**
